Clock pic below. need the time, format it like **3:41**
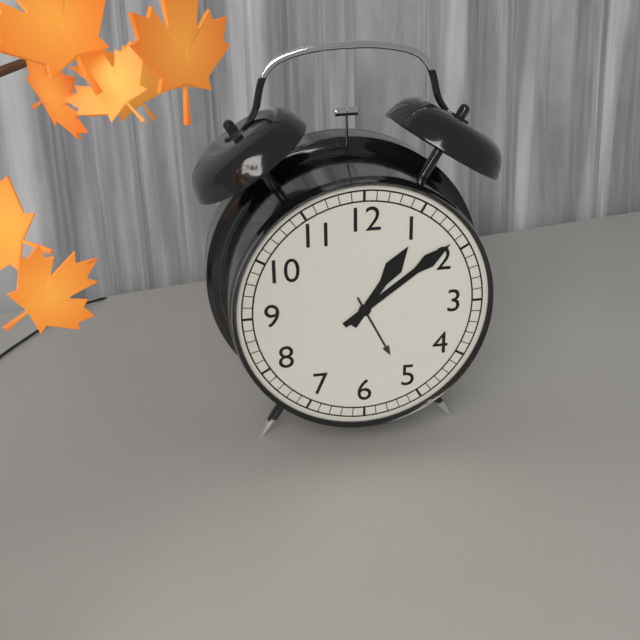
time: **1:09**
